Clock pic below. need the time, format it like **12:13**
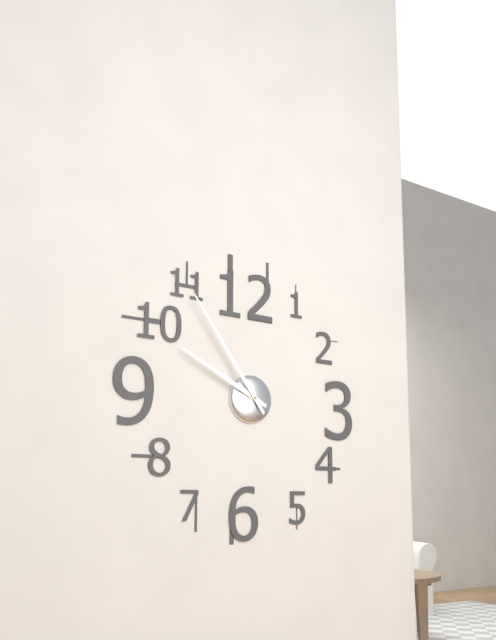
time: **9:54**
